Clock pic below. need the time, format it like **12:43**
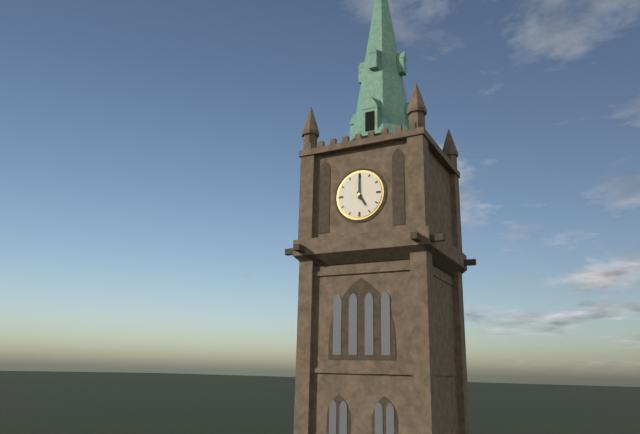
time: **5:00**
